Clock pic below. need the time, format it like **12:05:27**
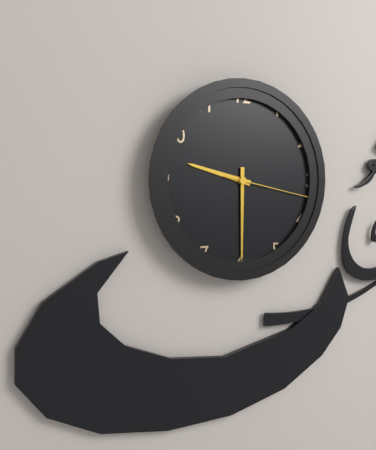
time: **9:30:17**
